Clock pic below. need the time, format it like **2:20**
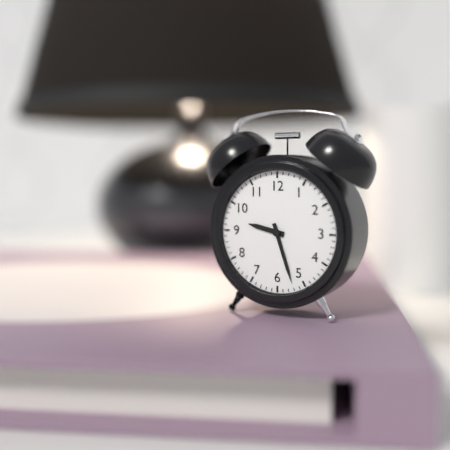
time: **9:27**
